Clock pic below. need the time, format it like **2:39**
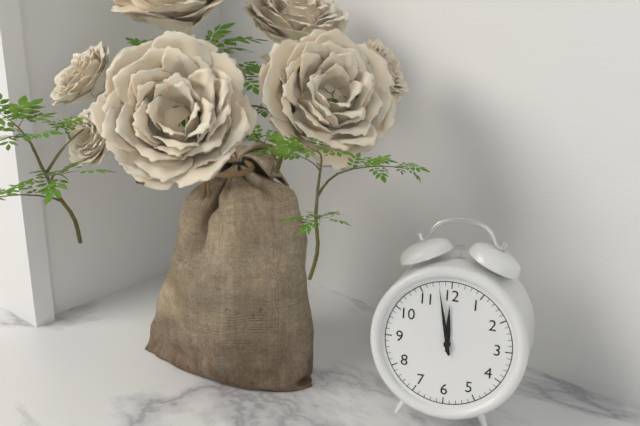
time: **11:58**
